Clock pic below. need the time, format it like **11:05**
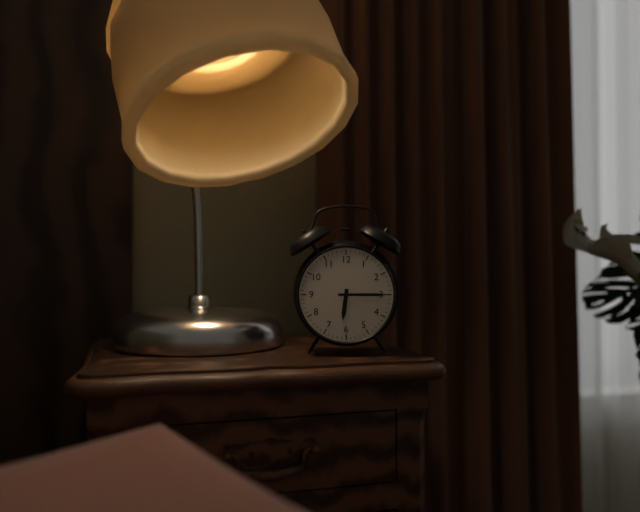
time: **6:15**
